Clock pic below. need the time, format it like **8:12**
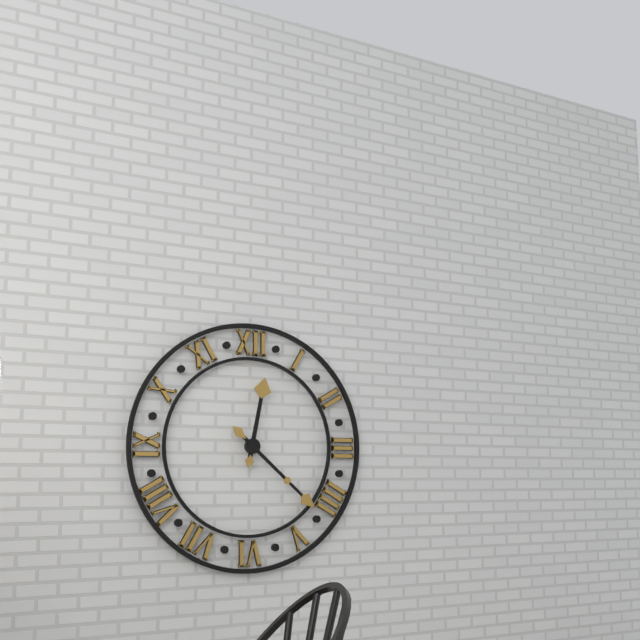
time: **12:22**
